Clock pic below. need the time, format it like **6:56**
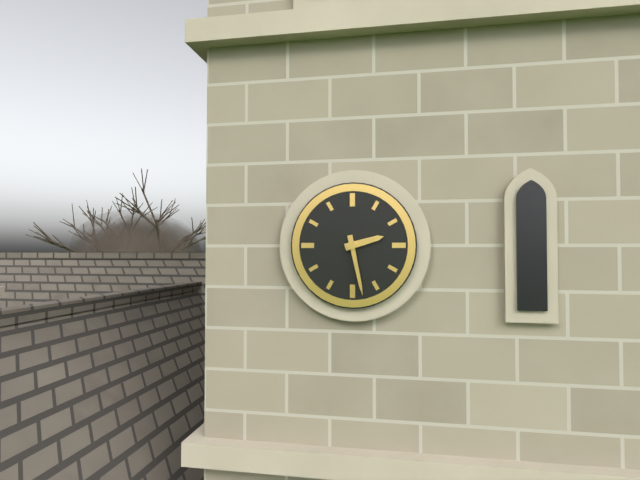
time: **2:28**
